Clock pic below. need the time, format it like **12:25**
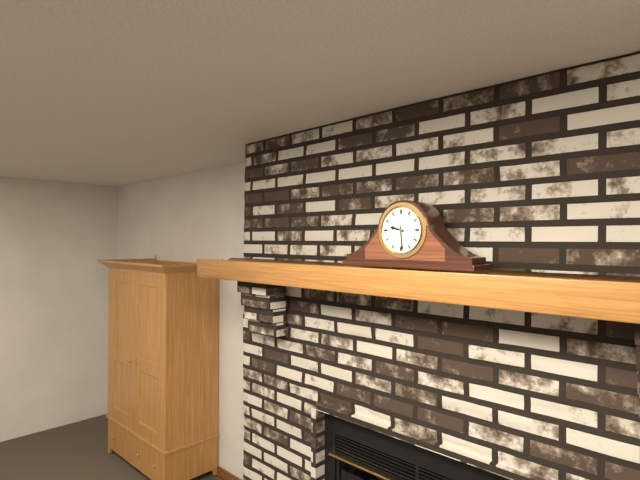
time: **9:29**
